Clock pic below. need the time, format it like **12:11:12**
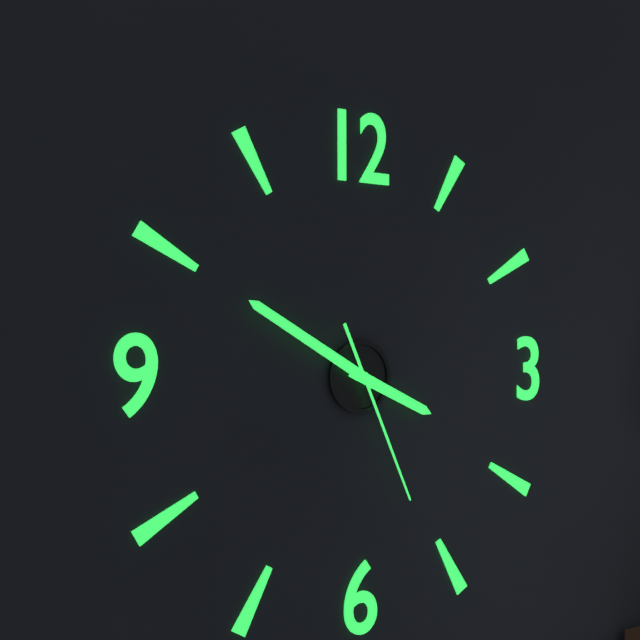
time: **3:50:26**
